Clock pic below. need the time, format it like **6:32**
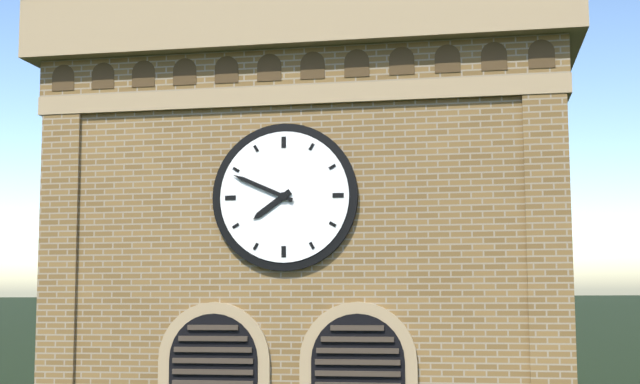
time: **7:49**
